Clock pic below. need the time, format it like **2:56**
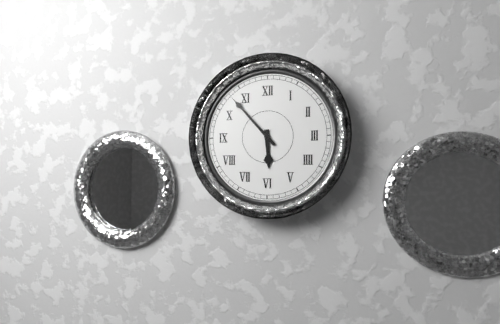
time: **5:53**
